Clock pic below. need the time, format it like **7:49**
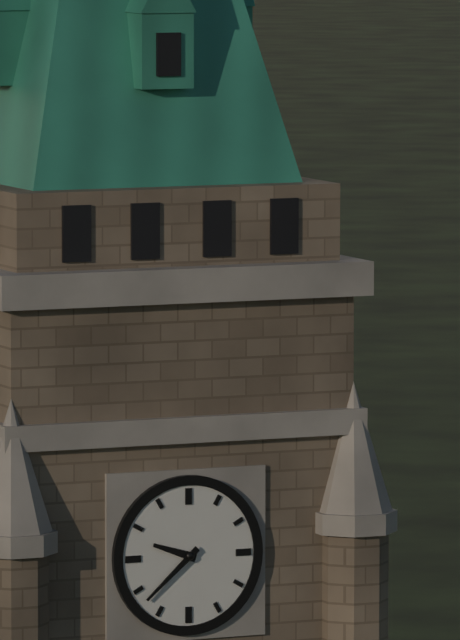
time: **9:38**
